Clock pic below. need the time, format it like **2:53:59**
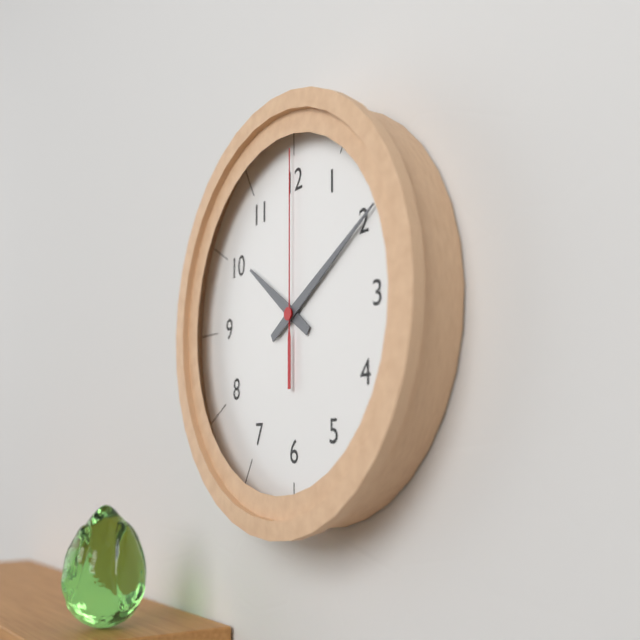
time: **10:10:00**
